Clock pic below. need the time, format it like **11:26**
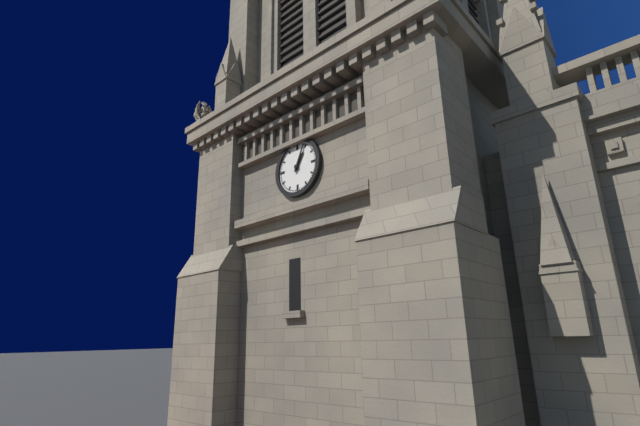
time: **1:04**
